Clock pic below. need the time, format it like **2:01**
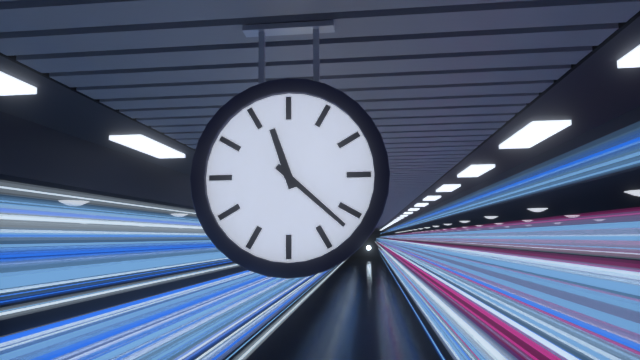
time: **11:22**
